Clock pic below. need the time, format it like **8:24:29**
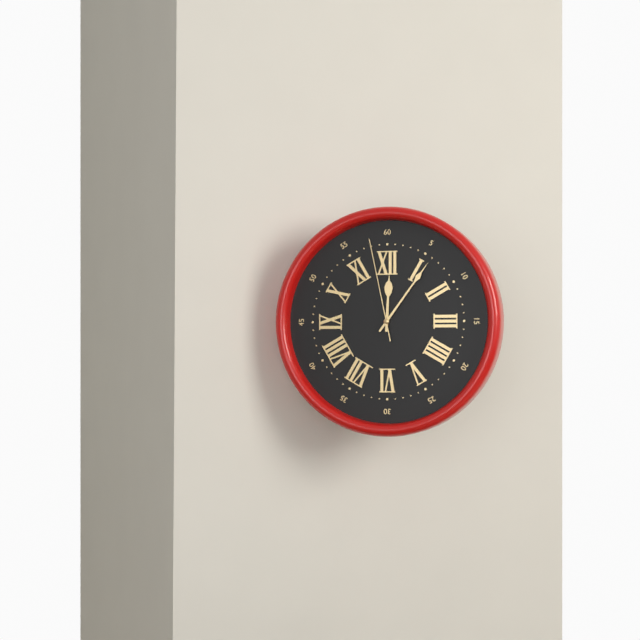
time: **12:06:58**
